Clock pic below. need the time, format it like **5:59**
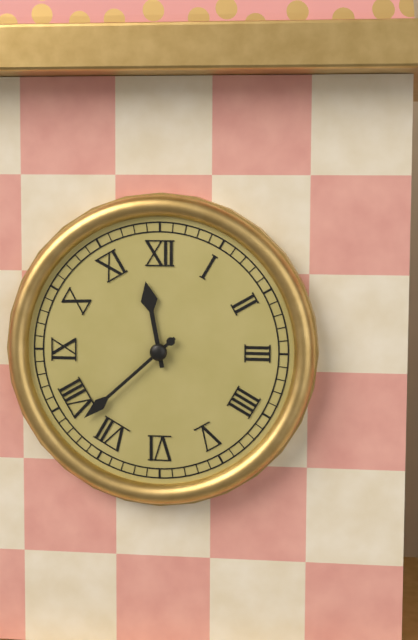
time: **11:38**
